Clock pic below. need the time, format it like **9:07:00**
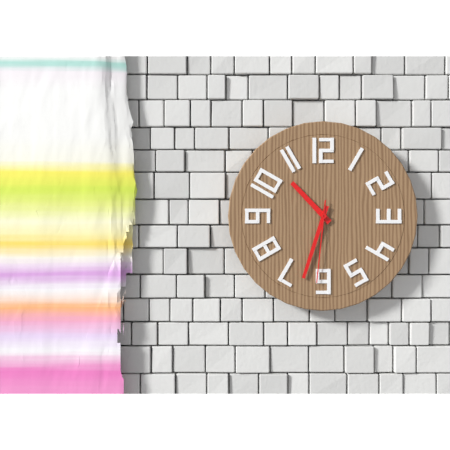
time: **10:33:31**
